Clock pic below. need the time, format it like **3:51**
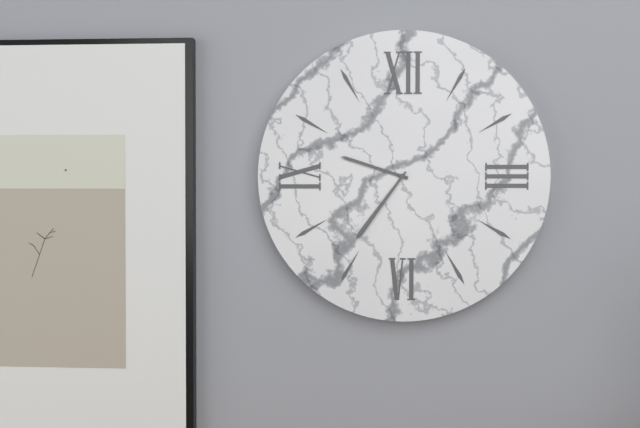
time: **9:36**
